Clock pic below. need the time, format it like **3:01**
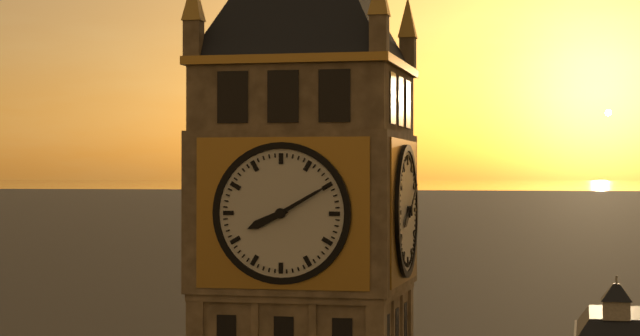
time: **8:10**
